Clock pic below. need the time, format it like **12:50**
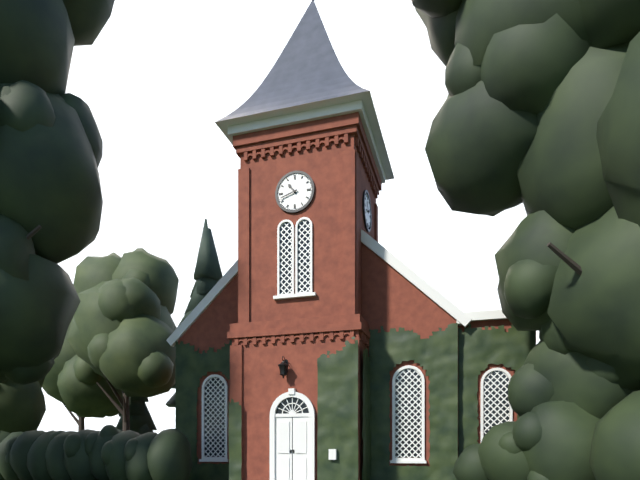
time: **10:42**
